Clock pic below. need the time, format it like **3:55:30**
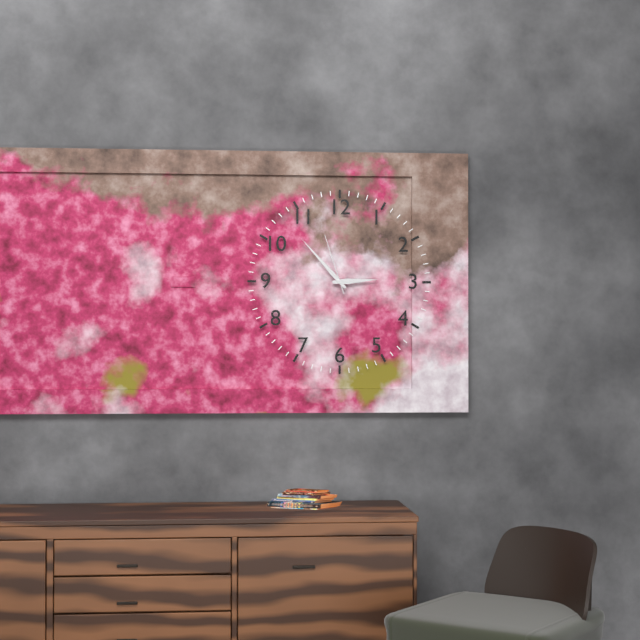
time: **2:53:57**
